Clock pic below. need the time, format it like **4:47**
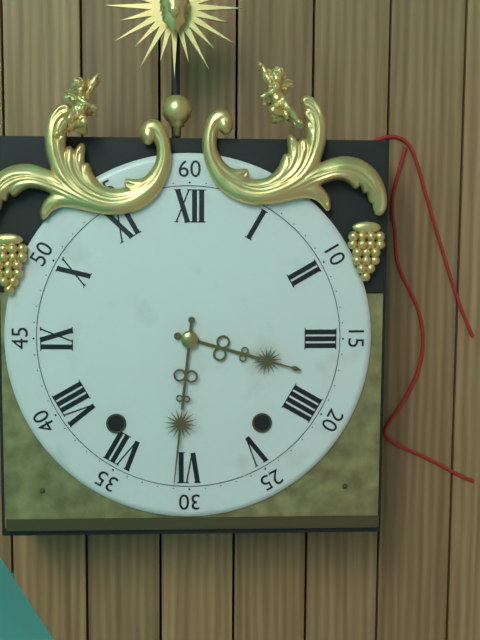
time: **3:31**
